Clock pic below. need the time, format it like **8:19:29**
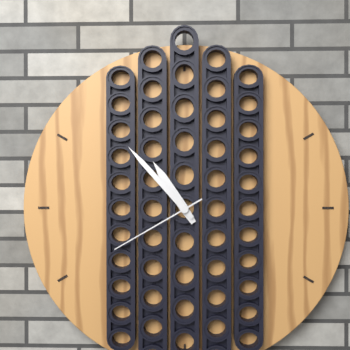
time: **10:53:40**
